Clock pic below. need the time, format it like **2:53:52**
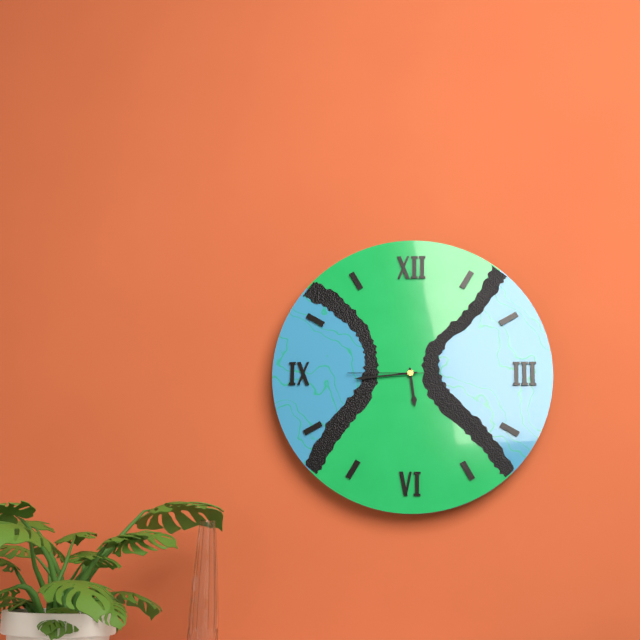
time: **5:44:45**
